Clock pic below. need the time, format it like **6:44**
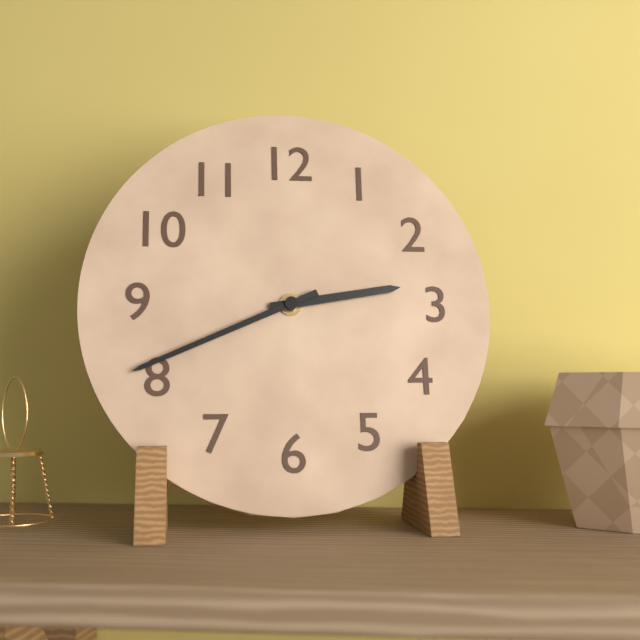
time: **2:41**
